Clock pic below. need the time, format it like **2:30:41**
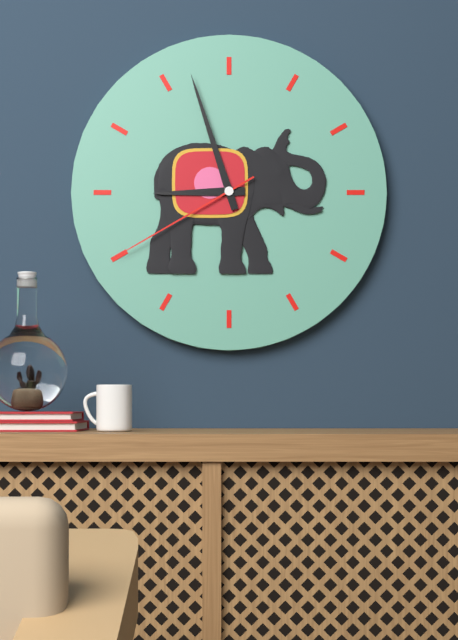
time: **8:57:40**
